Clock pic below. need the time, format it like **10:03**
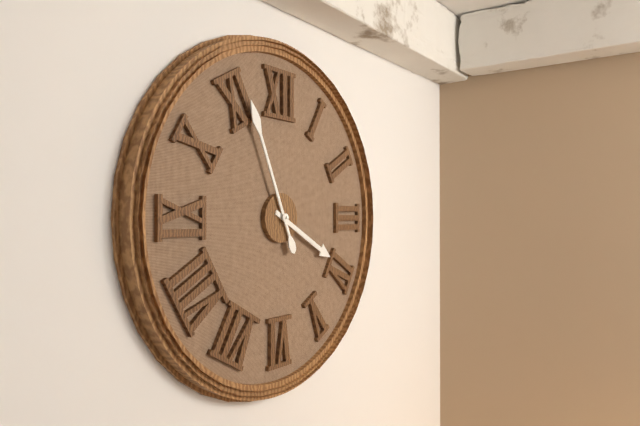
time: **3:56**
